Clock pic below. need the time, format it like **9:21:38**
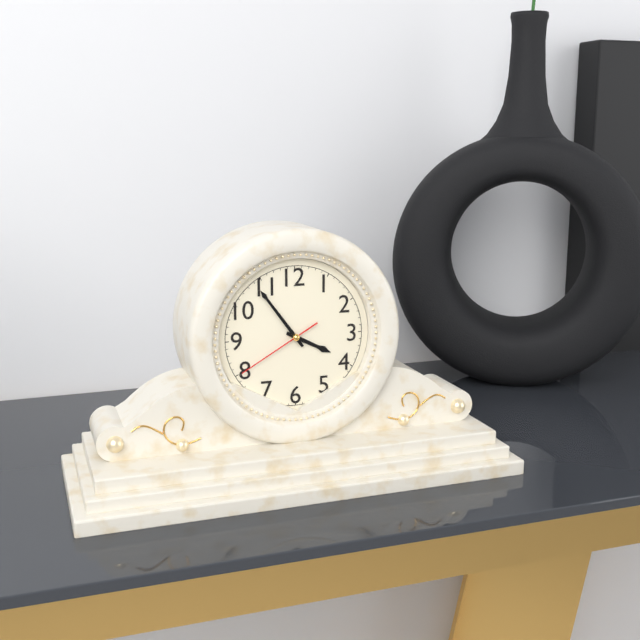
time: **3:54:40**
